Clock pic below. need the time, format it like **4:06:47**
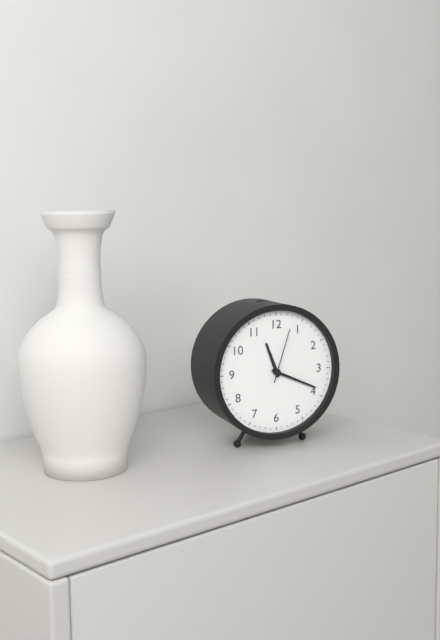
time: **11:19:03**
